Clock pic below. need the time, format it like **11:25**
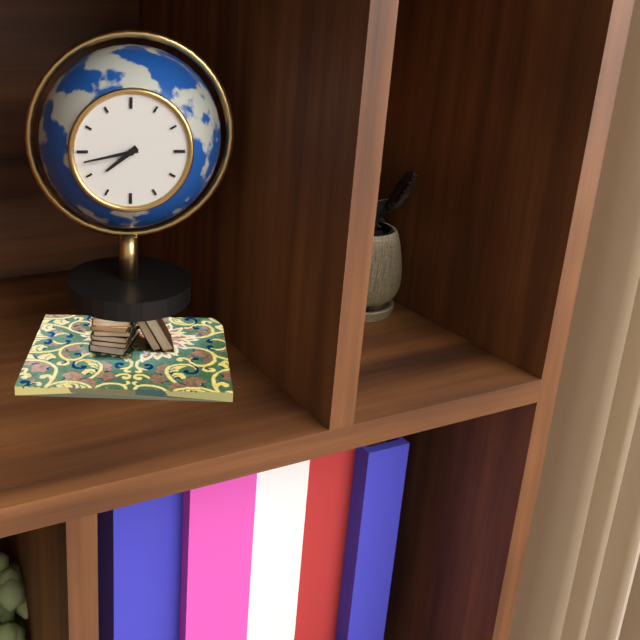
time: **7:43**
